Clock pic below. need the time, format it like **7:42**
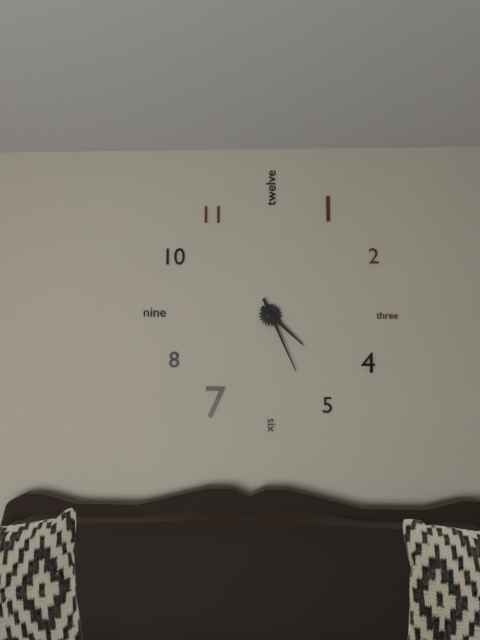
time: **4:26**
